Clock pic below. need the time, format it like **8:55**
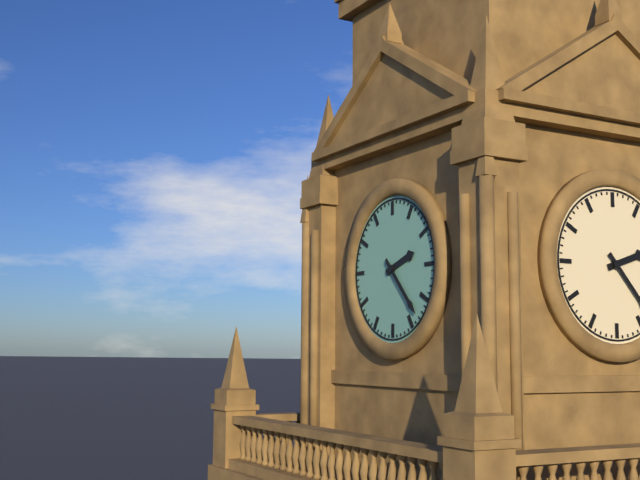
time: **2:23**
